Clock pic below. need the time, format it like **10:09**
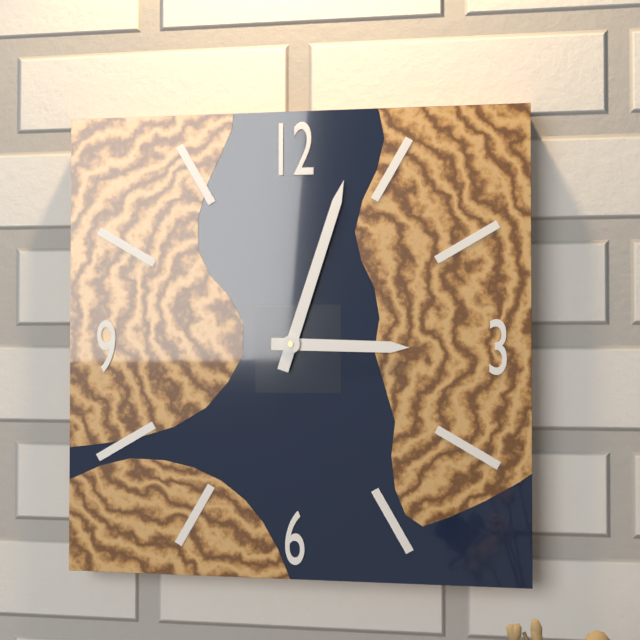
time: **3:03**
